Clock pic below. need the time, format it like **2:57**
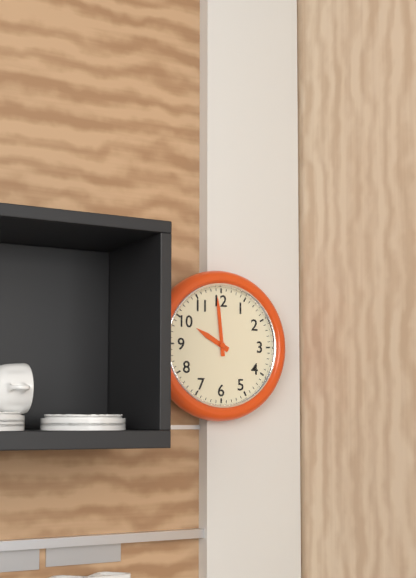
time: **9:59**
